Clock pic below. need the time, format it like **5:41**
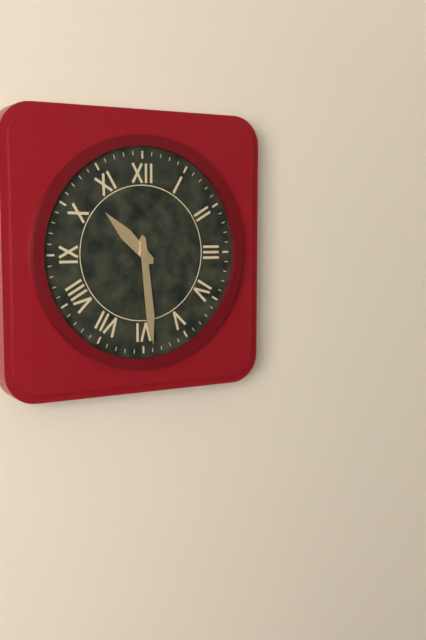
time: **10:29**
